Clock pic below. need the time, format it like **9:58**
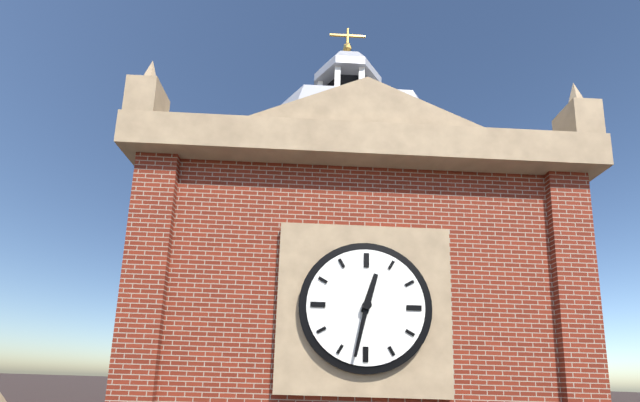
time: **12:32**
